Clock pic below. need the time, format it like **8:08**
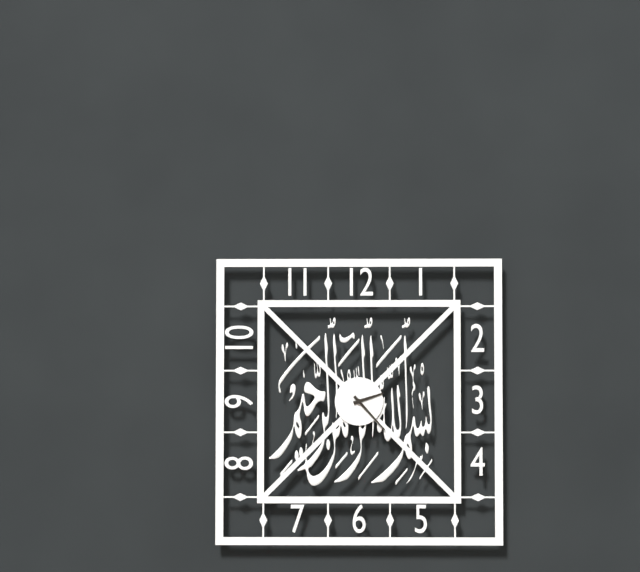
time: **2:23**
